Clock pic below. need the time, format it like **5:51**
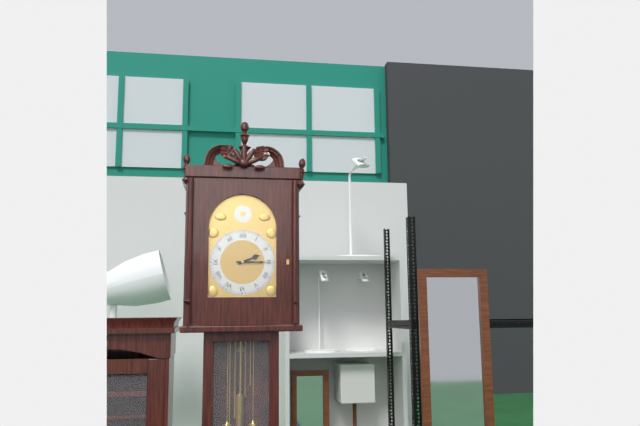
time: **2:15**
